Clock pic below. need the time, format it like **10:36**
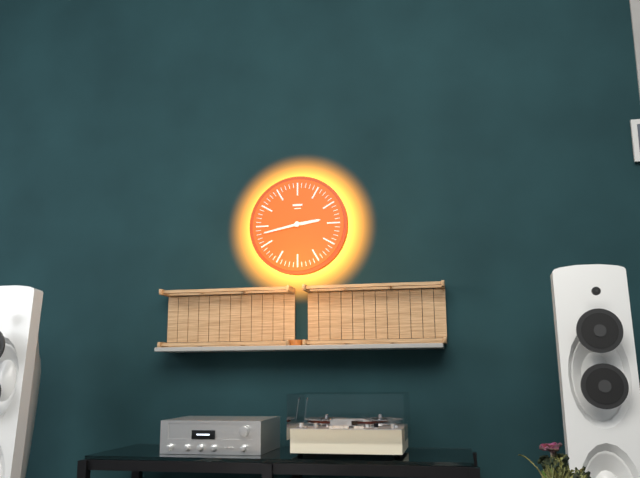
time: **2:43**
